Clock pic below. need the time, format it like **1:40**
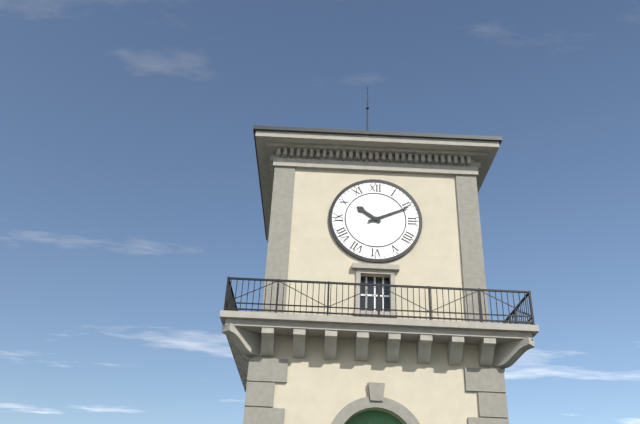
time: **10:11**
